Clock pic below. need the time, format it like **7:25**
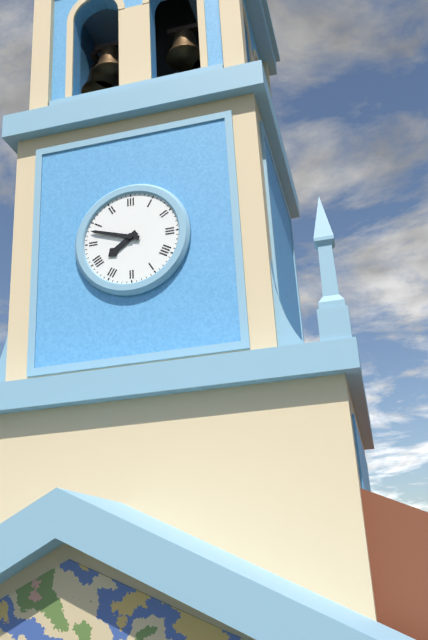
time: **7:48**
